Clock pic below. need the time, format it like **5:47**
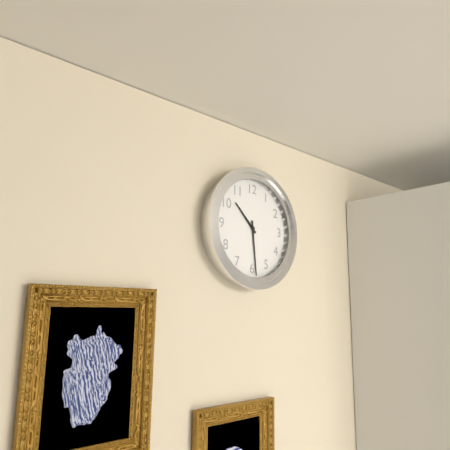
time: **10:29**
